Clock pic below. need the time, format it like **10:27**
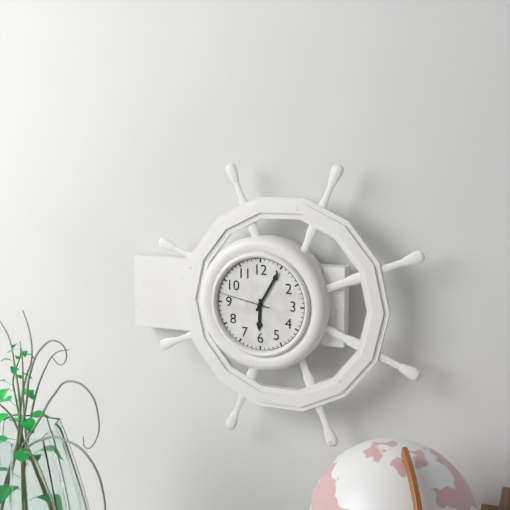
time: **6:05**
